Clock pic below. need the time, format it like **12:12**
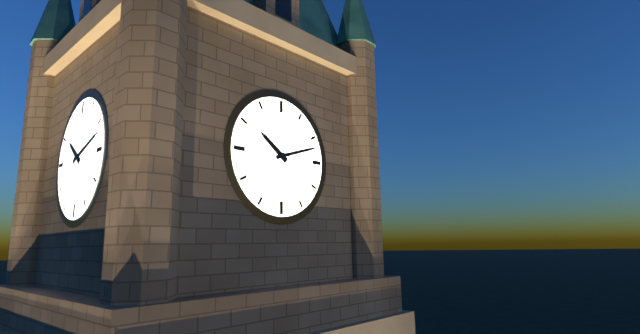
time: **10:12**
